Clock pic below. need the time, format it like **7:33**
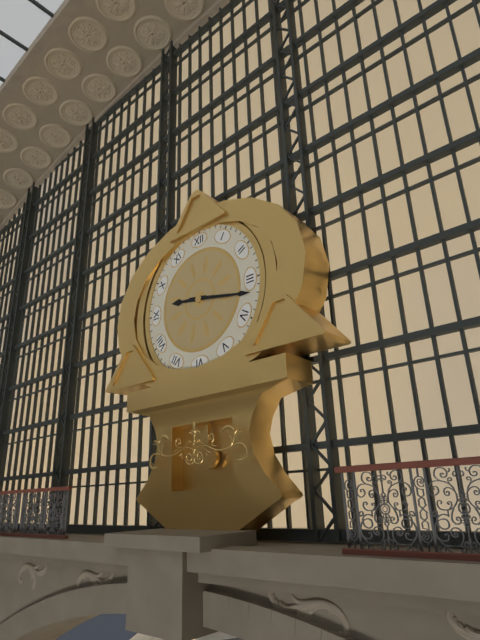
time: **9:17**
